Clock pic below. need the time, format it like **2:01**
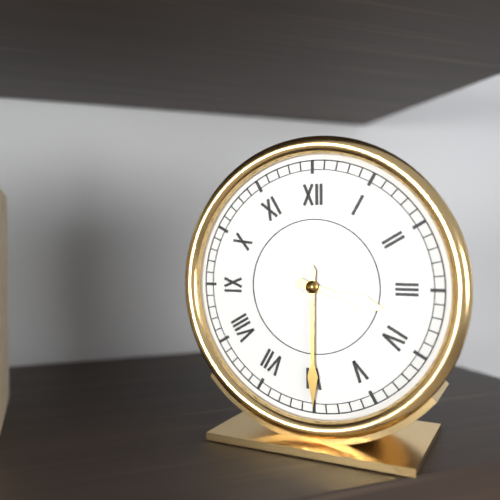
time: **3:30**
